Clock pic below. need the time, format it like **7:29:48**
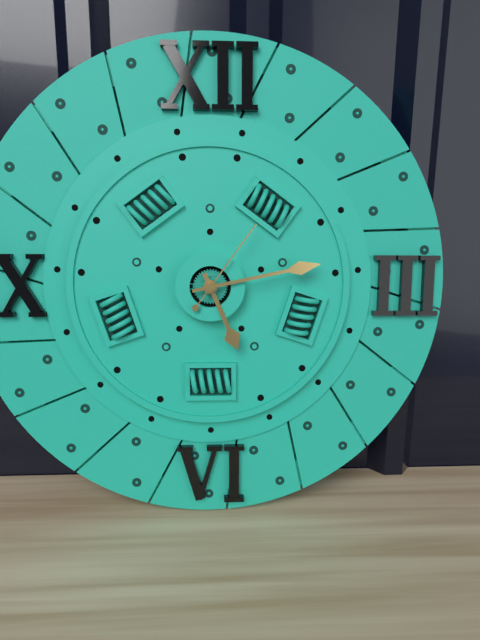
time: **5:13:06**
